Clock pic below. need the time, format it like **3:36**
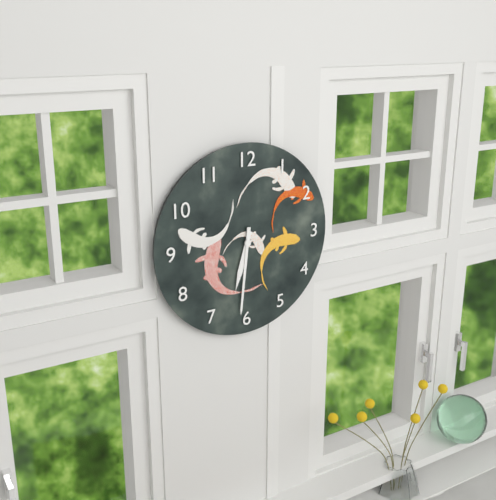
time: **6:31**
